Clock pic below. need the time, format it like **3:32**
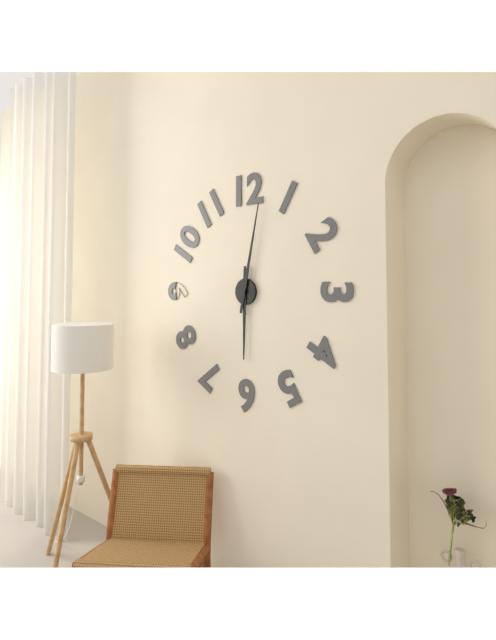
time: **6:02**
